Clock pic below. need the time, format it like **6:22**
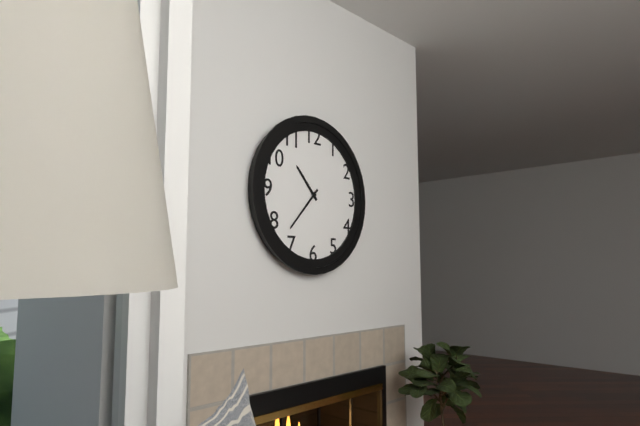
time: **10:37**
